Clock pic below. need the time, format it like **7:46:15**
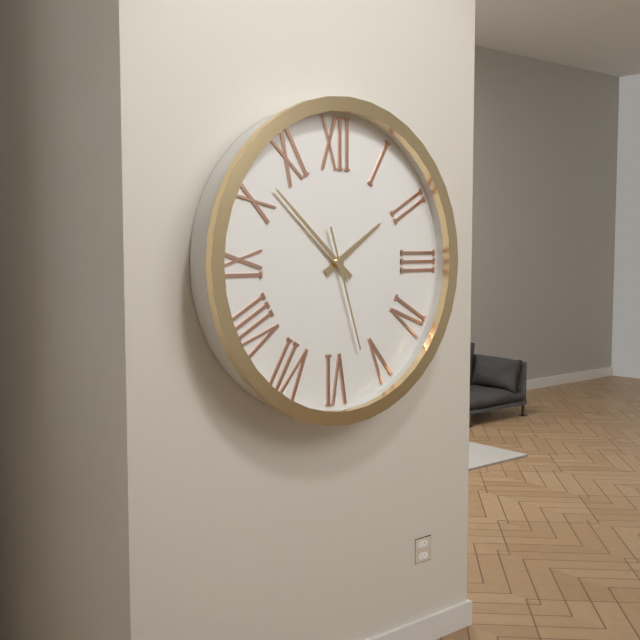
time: **1:52:27**
